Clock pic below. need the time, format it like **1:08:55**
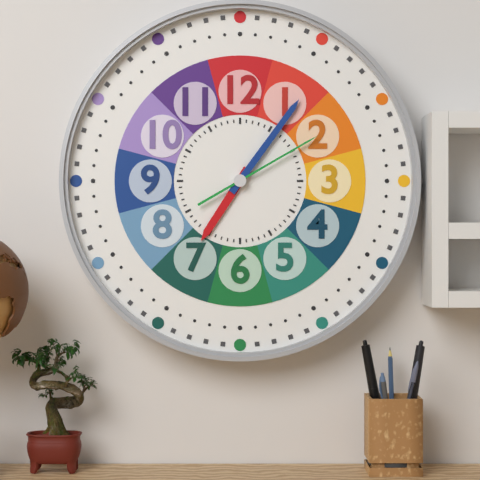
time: **7:06:10**
